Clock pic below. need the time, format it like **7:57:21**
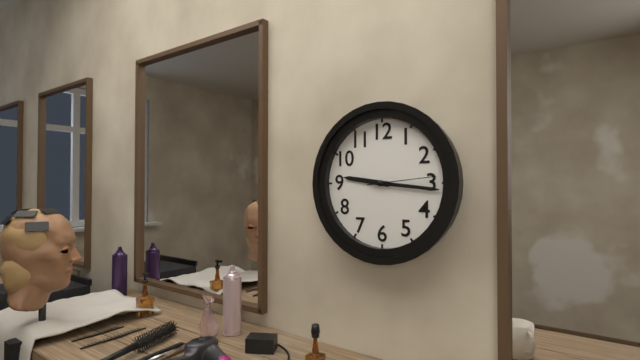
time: **9:16:14**
